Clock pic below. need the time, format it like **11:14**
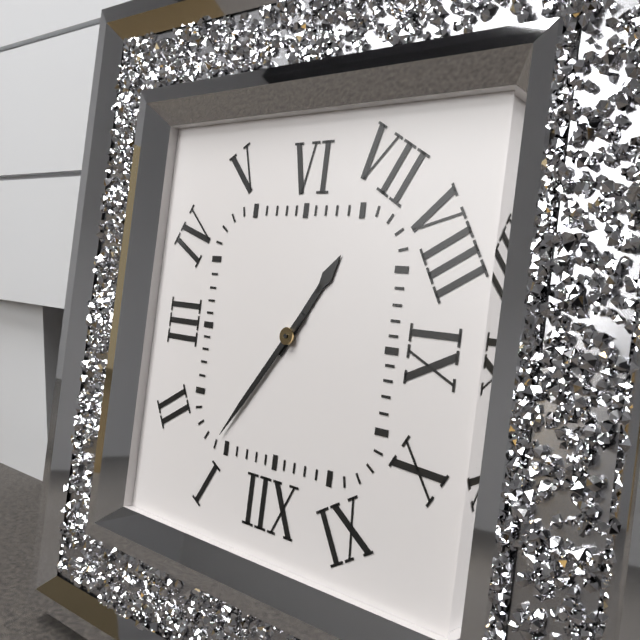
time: **7:06**
